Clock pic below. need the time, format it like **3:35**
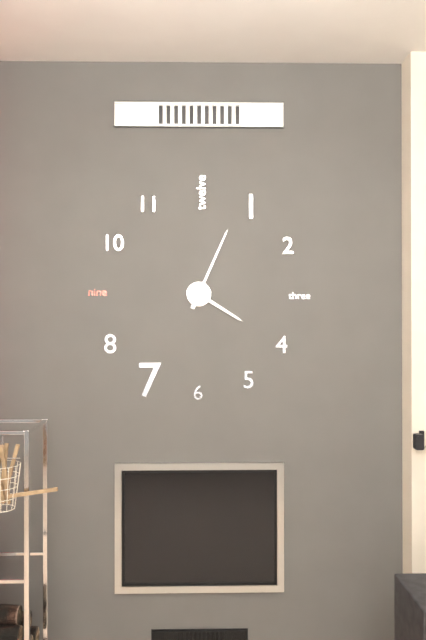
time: **4:04**
